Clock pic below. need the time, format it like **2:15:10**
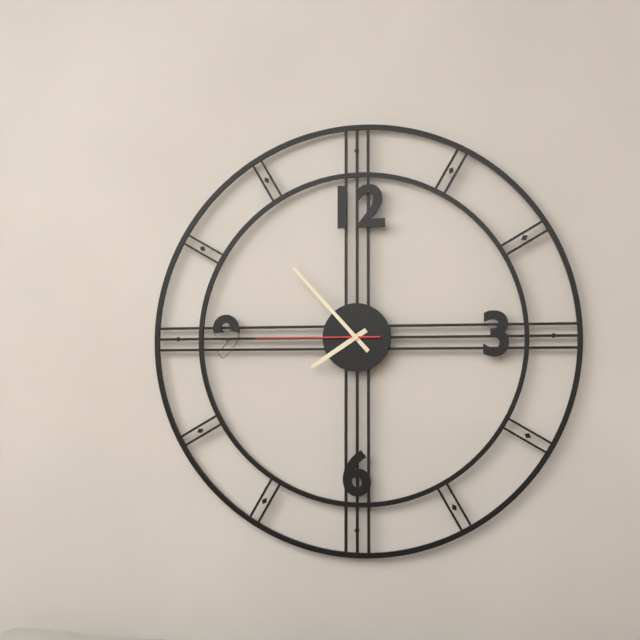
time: **7:53:45**
